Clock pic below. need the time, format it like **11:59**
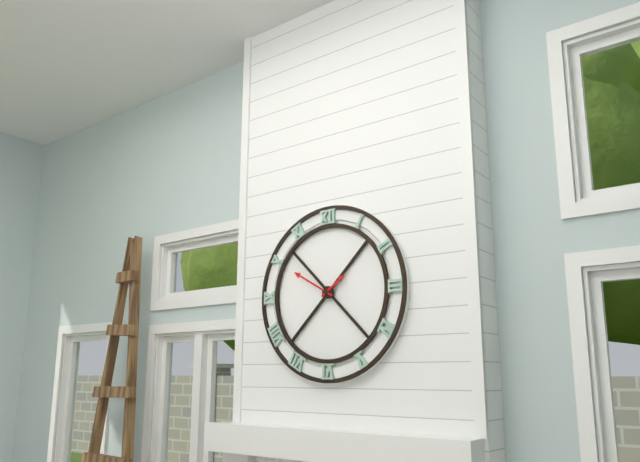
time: **1:50**
